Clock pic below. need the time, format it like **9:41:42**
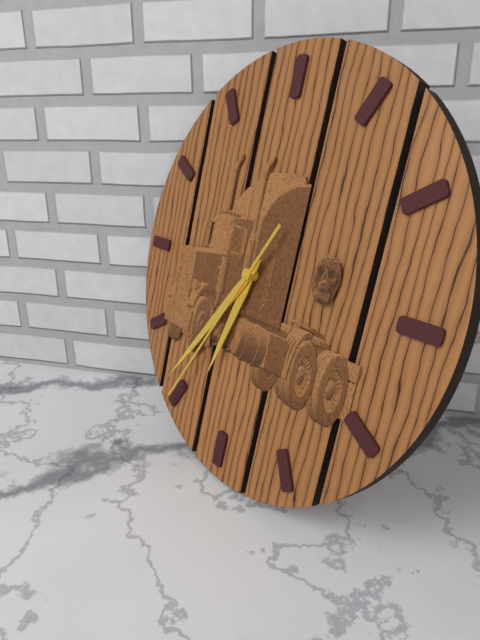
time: **6:36:35**
